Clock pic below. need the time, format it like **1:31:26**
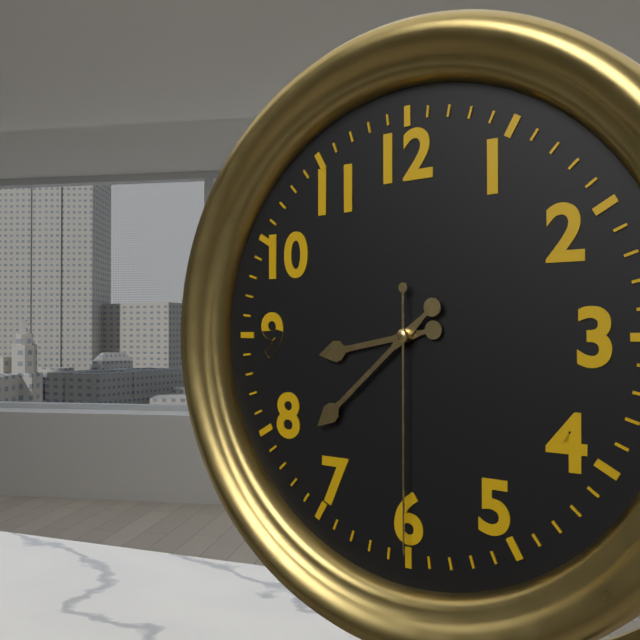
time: **8:38:30**
